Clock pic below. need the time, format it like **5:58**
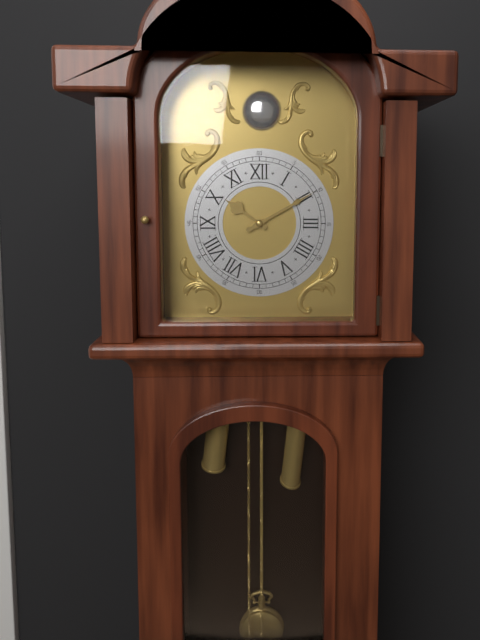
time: **10:10**
